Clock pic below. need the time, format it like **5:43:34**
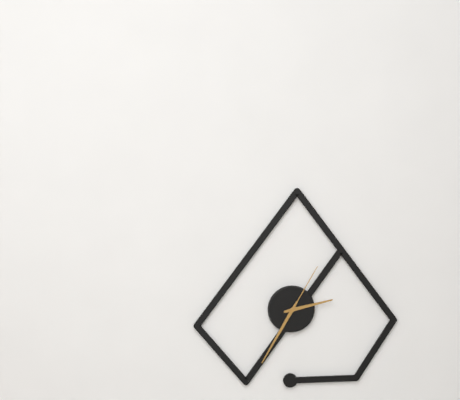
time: **2:35:05**
